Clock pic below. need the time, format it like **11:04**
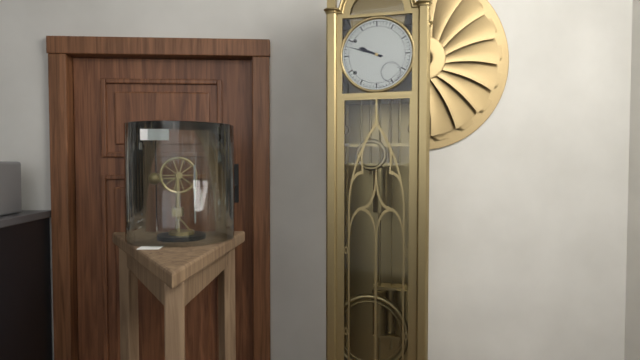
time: **9:48**
